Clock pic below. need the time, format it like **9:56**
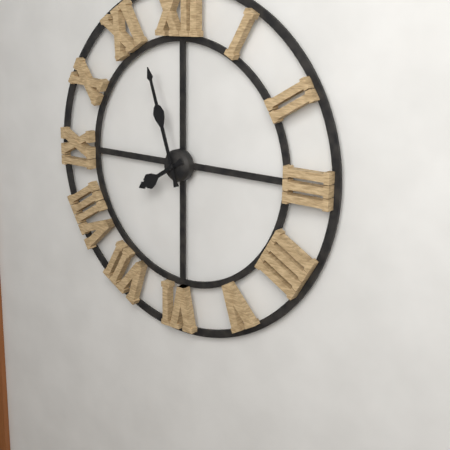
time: **7:57**
